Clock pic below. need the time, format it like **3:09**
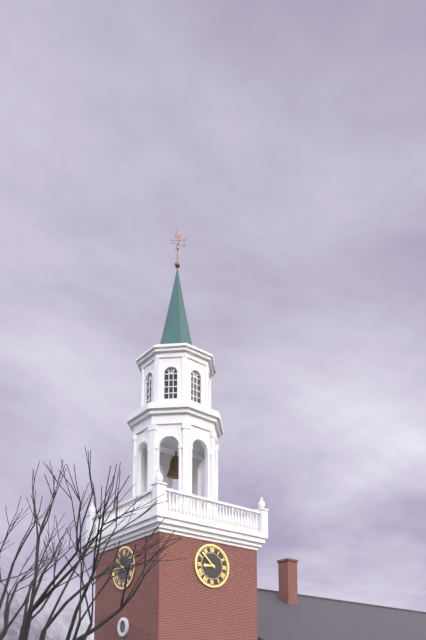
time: **8:52**
